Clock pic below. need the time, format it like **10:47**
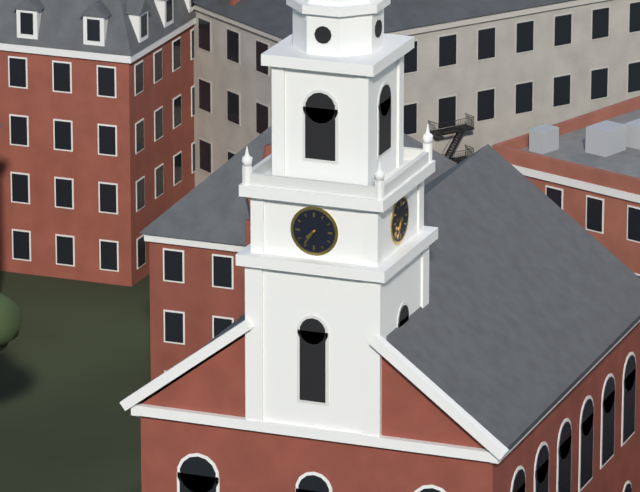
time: **7:36**
